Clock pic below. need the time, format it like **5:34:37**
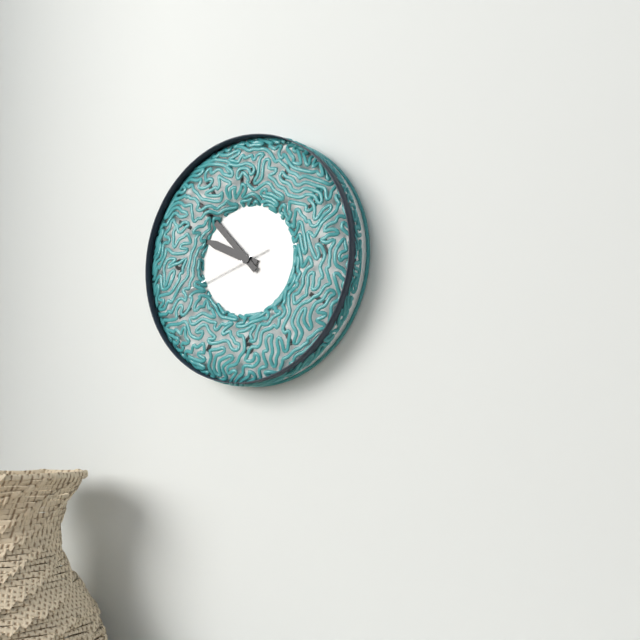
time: **9:53:42**
